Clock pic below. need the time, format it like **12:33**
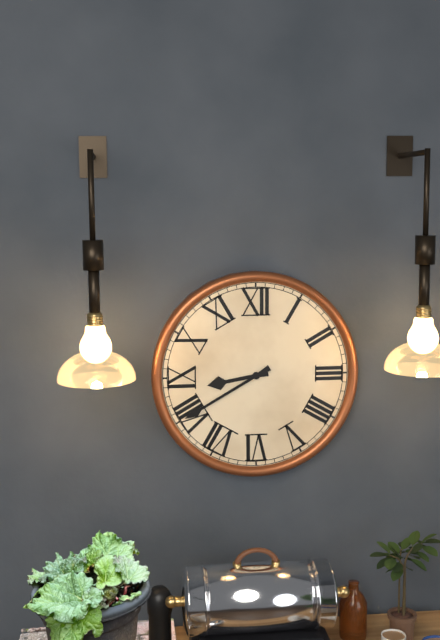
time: **8:40**
